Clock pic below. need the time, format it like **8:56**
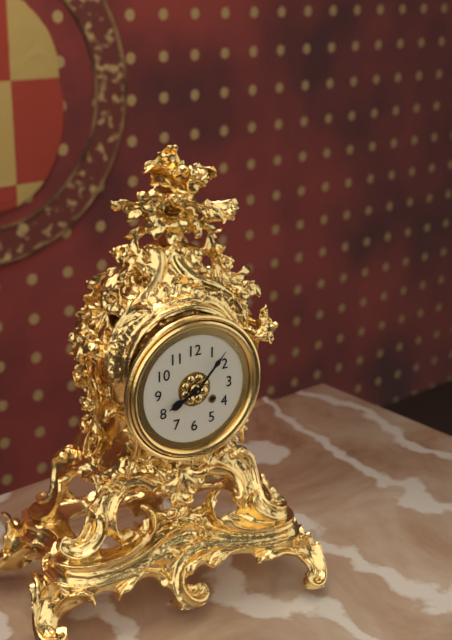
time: **8:07**
